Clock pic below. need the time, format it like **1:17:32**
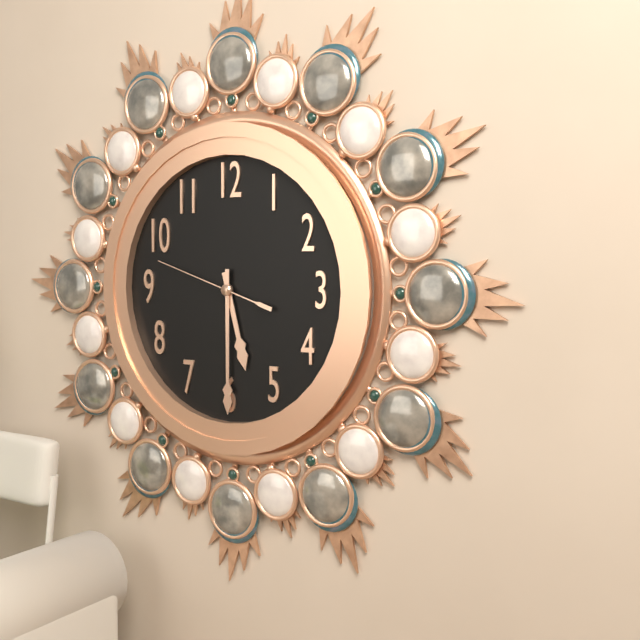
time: **5:30:48**
